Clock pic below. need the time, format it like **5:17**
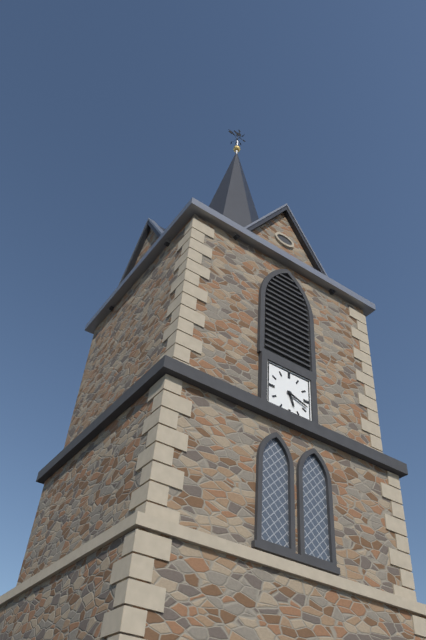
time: **5:18**
